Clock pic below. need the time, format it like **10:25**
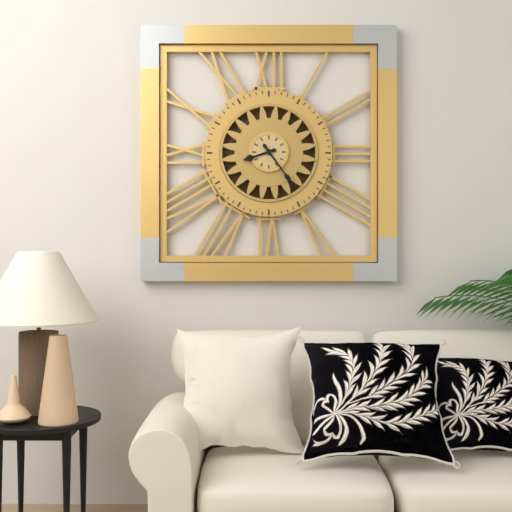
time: **8:24**
